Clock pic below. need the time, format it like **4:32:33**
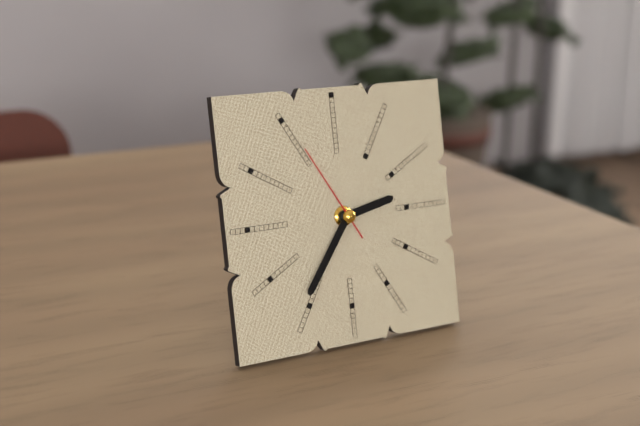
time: **2:36:55**
